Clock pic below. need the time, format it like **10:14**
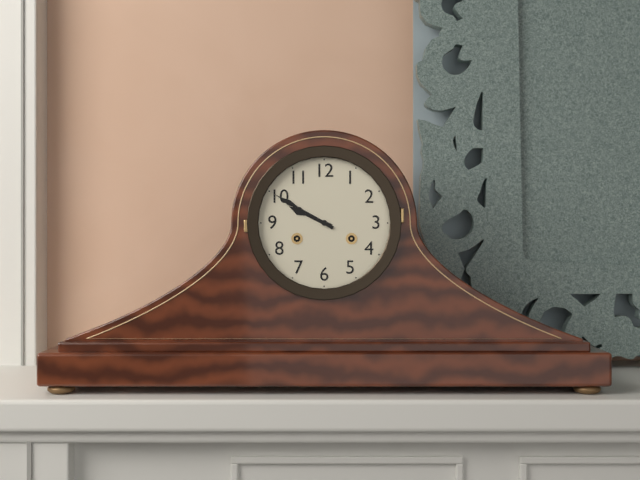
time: **9:50**
